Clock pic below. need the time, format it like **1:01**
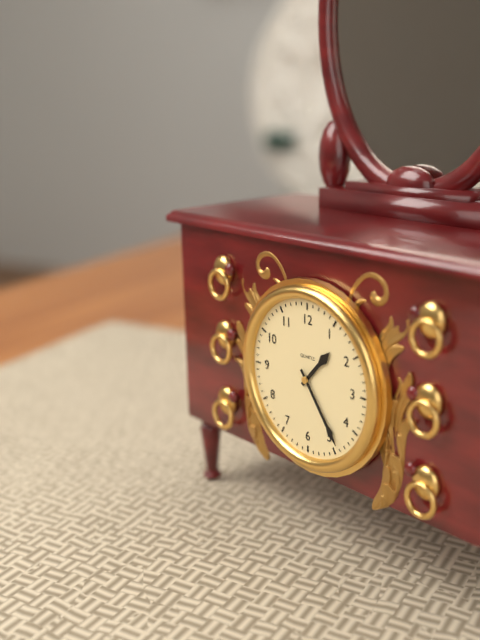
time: **1:24**
